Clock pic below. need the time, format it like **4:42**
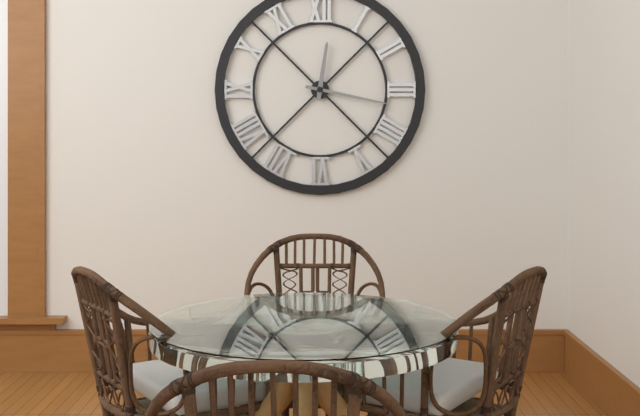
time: **12:17**
